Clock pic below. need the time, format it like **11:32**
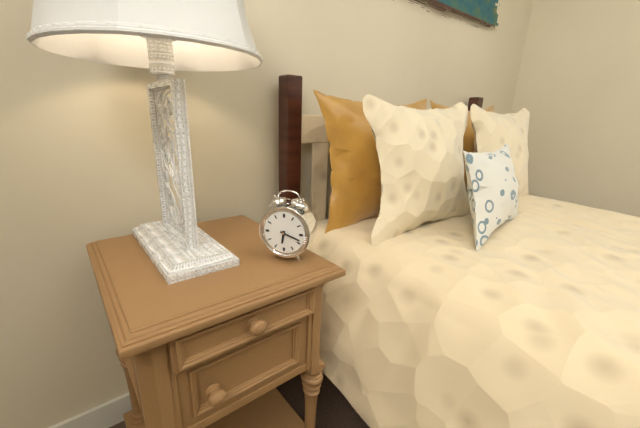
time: **6:18**
